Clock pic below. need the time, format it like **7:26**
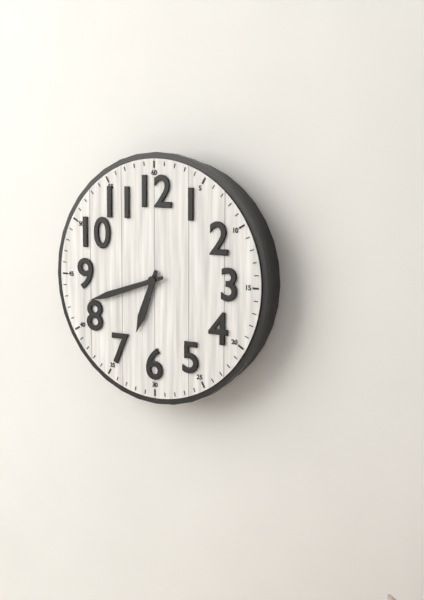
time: **6:42**
